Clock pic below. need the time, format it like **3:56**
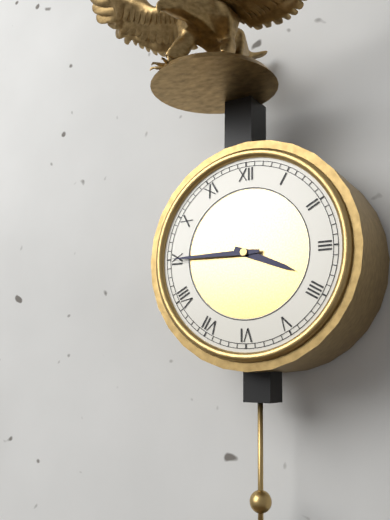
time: **3:45**
